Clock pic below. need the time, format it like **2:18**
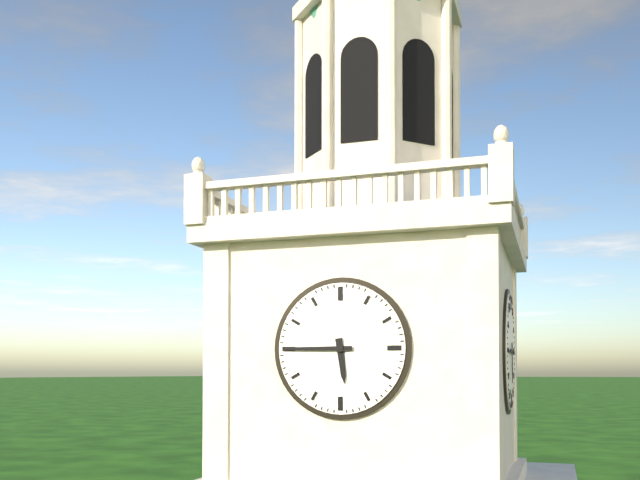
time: **5:45**
